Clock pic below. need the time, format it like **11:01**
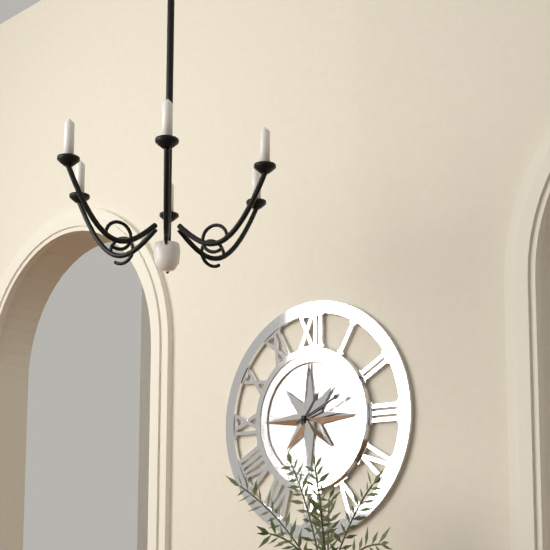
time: **1:11**
